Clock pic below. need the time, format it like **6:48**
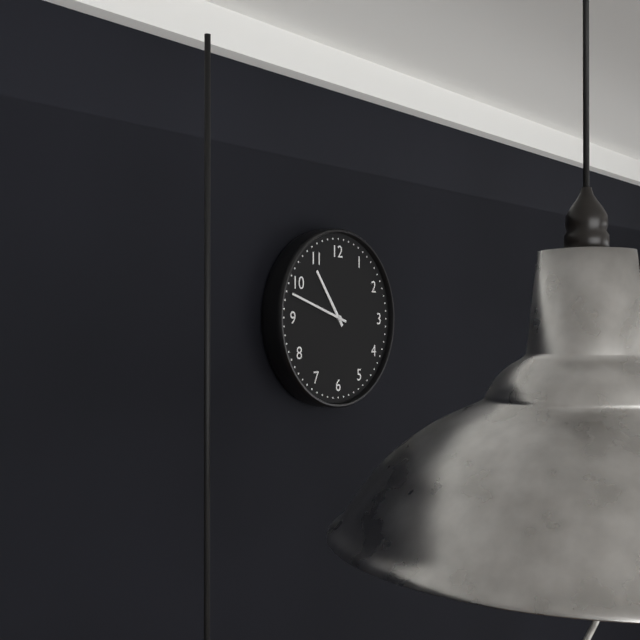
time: **10:48**
